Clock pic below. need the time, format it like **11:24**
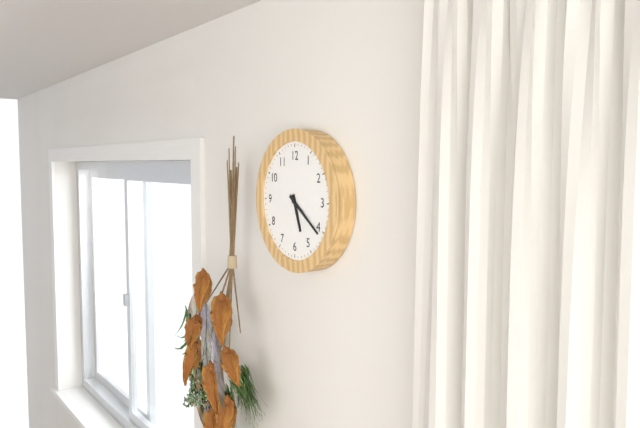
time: **5:21**
